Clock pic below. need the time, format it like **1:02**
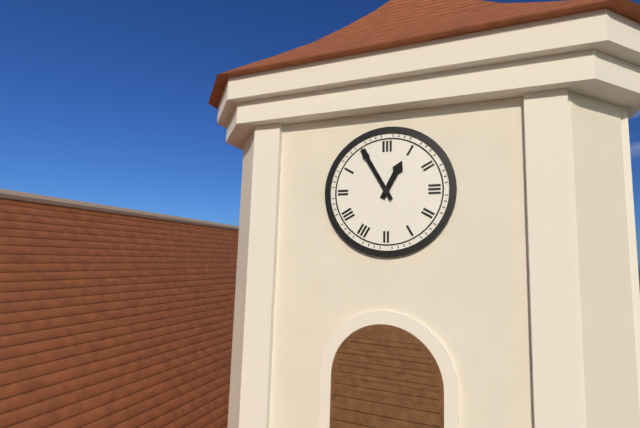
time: **12:55**
